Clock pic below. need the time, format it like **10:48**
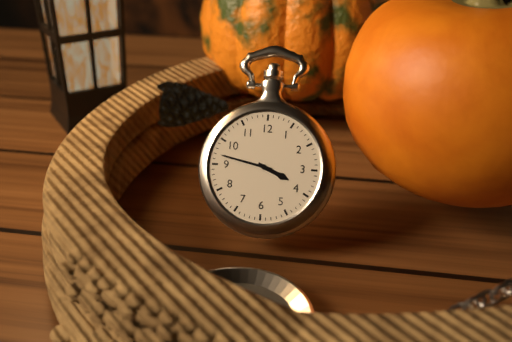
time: **3:47**
